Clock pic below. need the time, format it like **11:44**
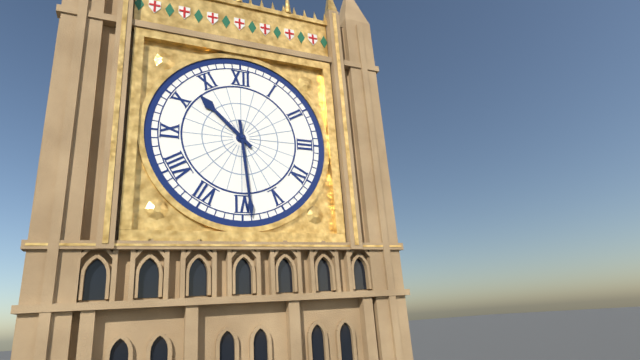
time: **10:29**
